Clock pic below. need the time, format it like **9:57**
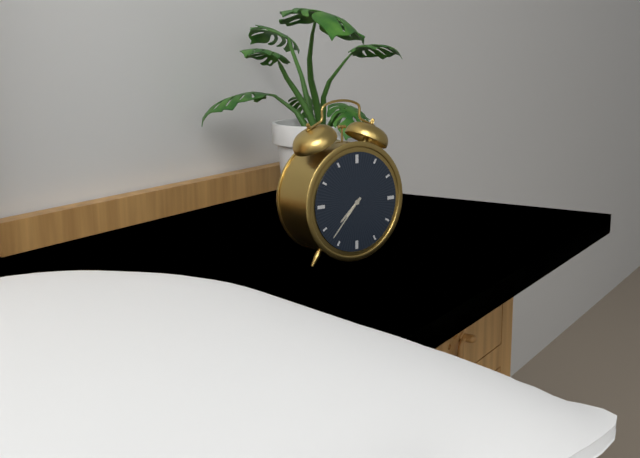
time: **7:37**
